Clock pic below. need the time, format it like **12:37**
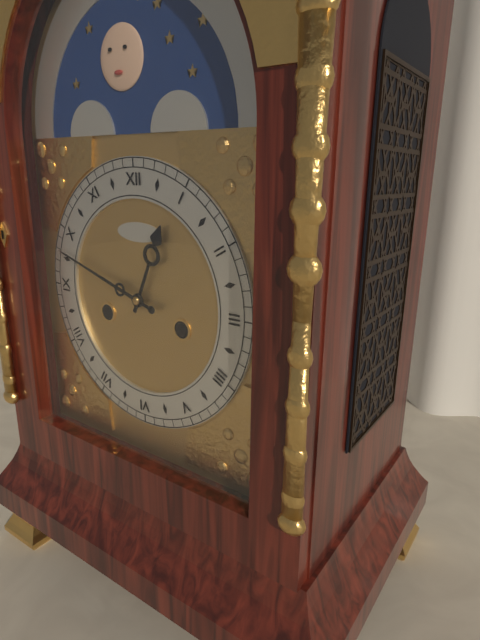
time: **12:48**
